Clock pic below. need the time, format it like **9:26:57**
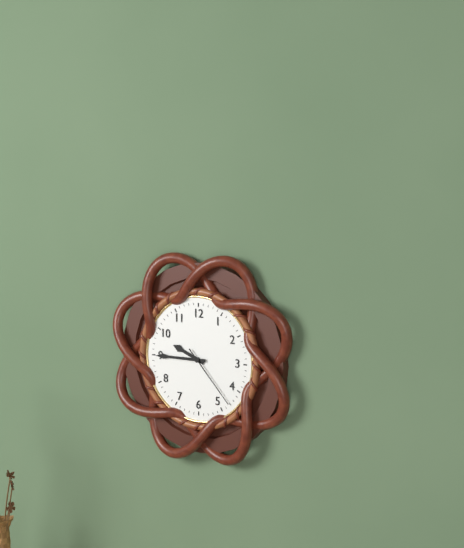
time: **9:45:23**
